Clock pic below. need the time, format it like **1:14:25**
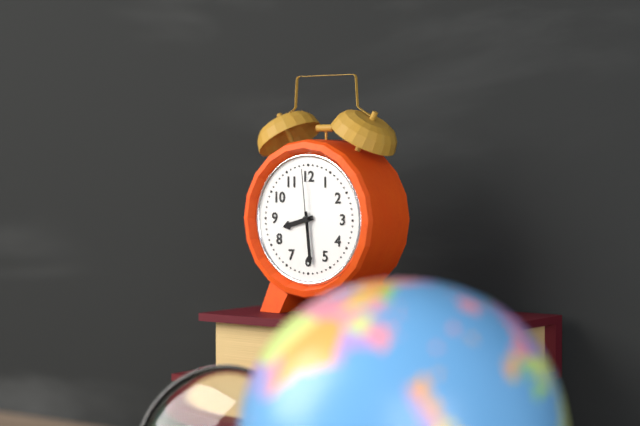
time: **8:29:59**
